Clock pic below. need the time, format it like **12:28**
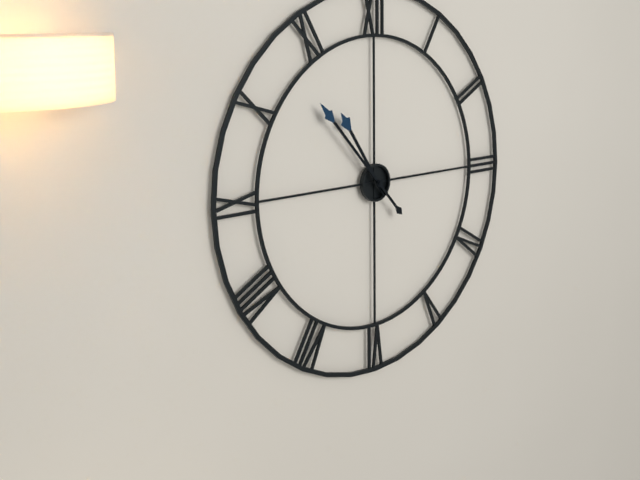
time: **10:53**
